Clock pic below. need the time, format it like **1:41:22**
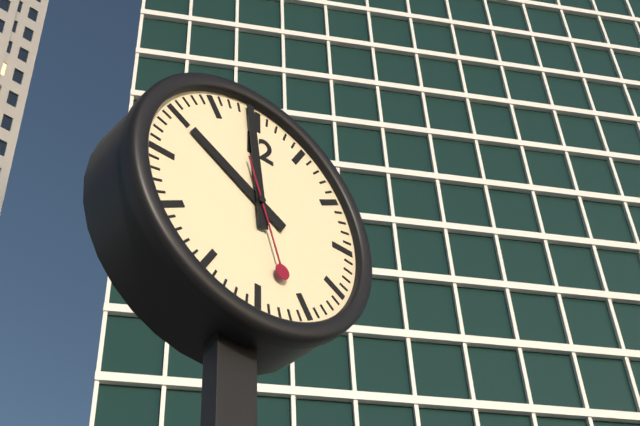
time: **9:59:27**
